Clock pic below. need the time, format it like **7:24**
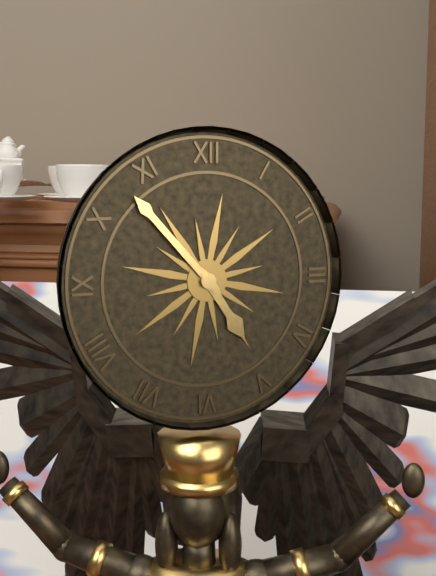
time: **4:53**
